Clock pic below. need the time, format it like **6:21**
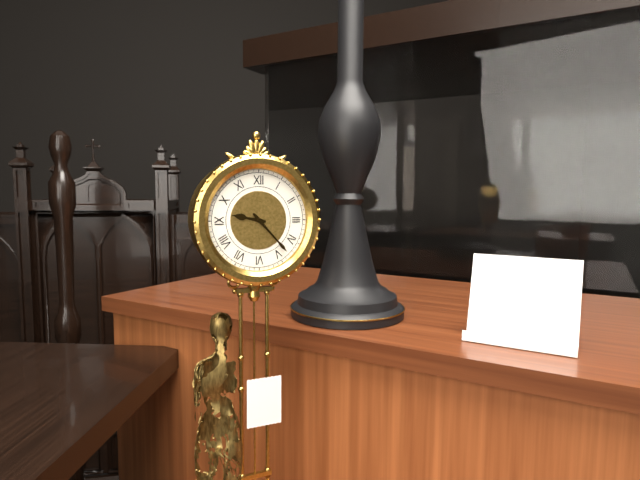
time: **9:23**
